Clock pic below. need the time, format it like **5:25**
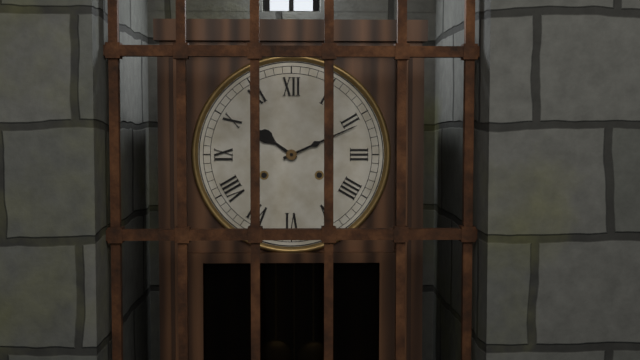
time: **10:11**
